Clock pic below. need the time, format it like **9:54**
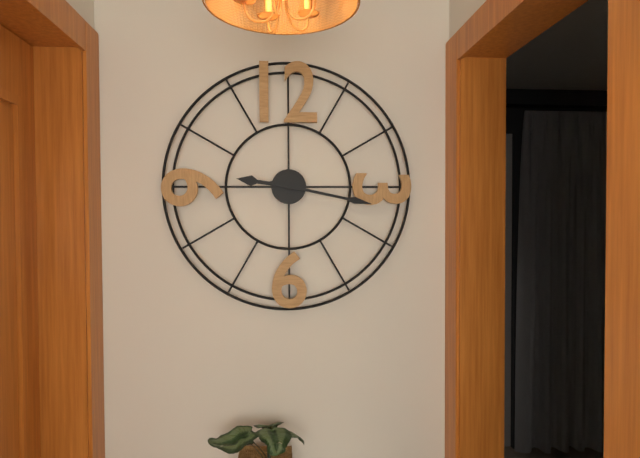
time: **9:17**
